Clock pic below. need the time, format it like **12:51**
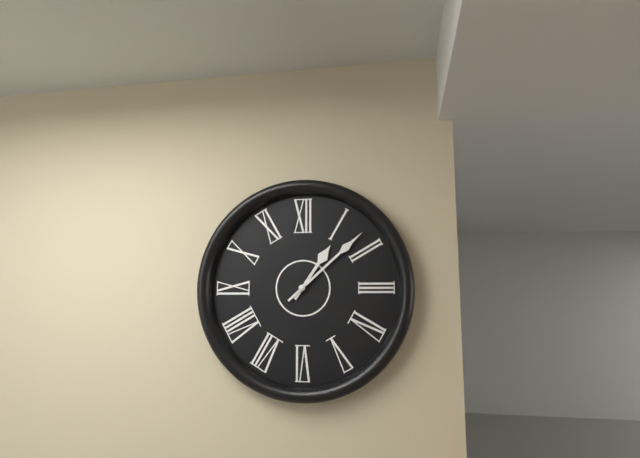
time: **1:08**
